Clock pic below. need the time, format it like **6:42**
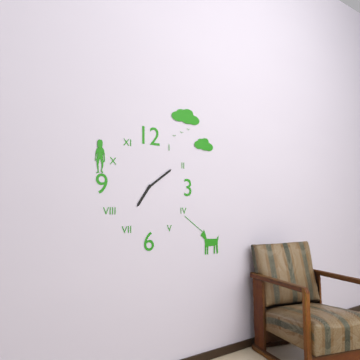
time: **7:09**
